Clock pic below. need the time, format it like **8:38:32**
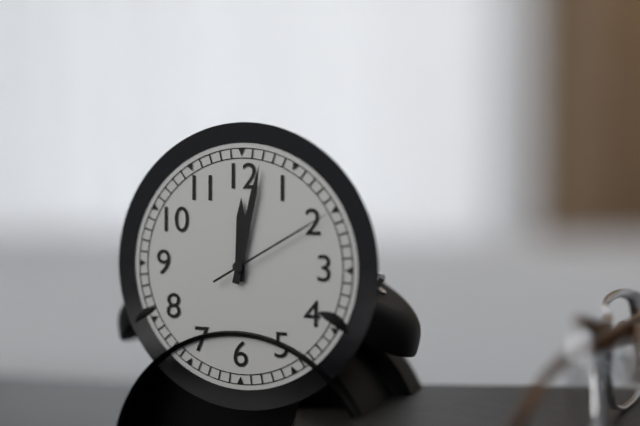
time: **12:02:10**
